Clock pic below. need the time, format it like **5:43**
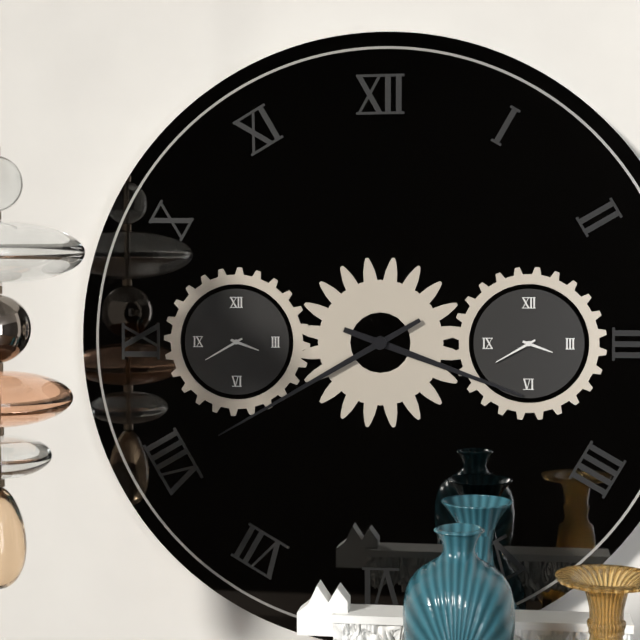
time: **3:40**
